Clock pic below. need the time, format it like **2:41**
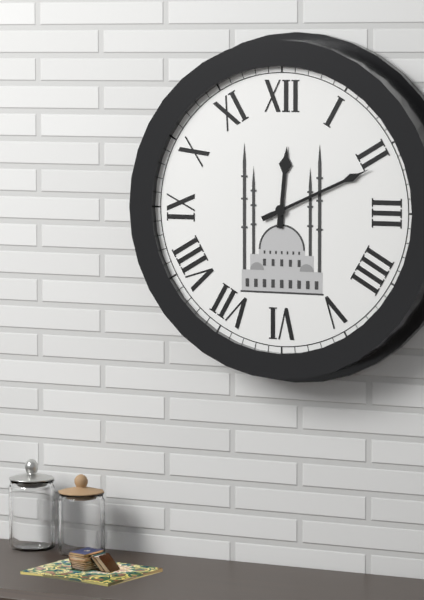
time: **12:11**
